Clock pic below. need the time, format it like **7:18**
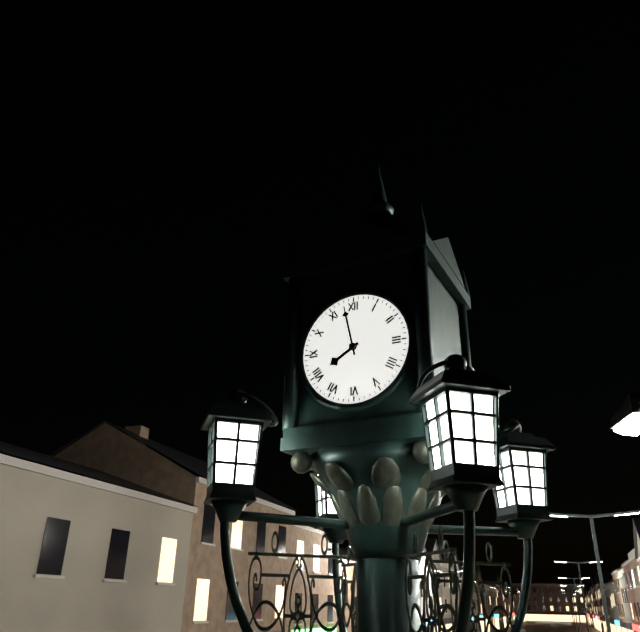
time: **7:58**
